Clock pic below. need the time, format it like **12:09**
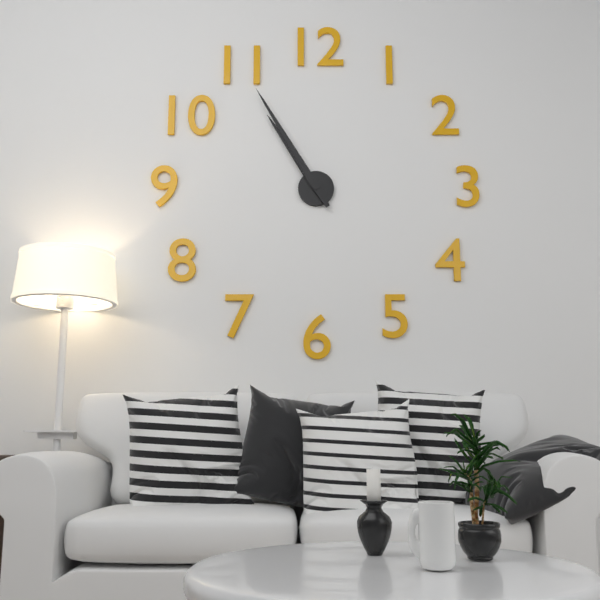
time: **10:55**
